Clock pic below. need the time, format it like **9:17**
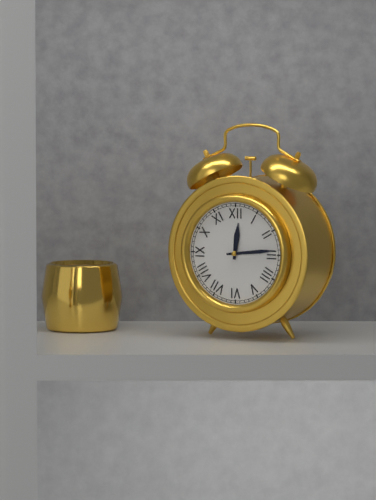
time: **12:14**
